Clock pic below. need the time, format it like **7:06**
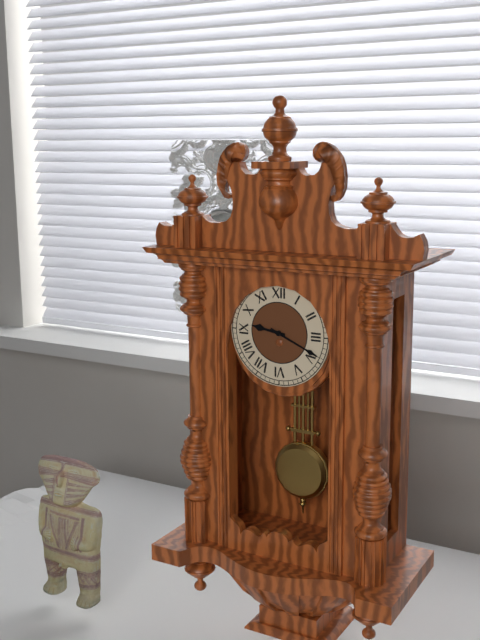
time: **9:19**
